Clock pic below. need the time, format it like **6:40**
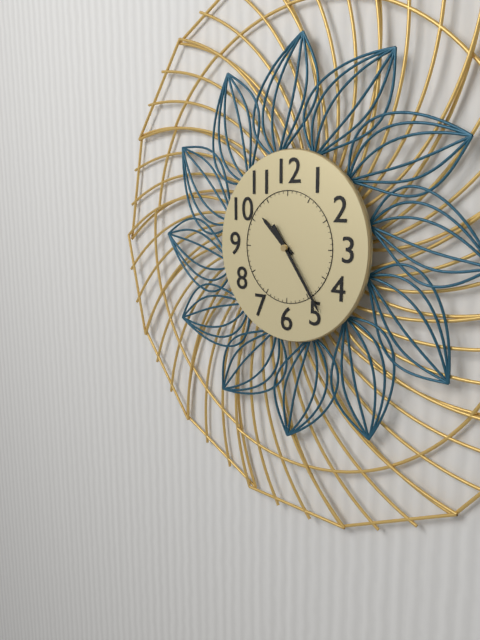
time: **10:24**
